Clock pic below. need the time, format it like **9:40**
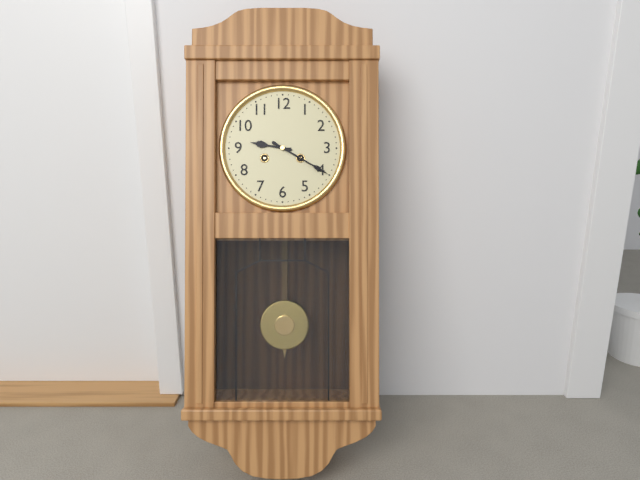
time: **9:20**
